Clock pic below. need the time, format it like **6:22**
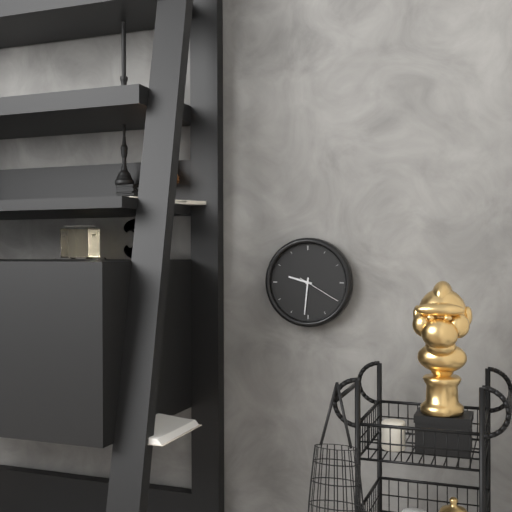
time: **9:31**
